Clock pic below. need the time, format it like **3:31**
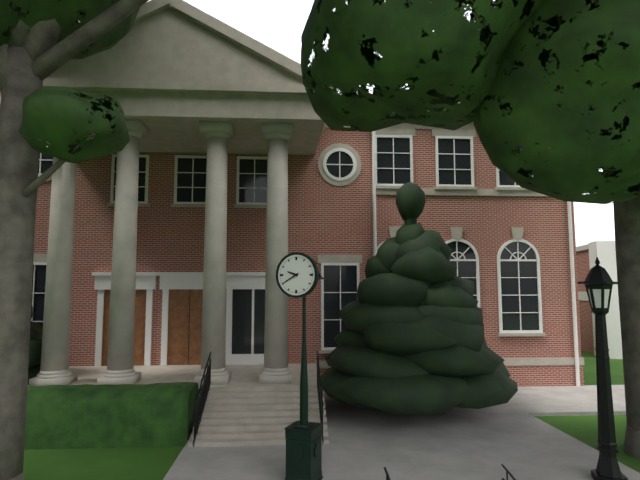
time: **9:40**
